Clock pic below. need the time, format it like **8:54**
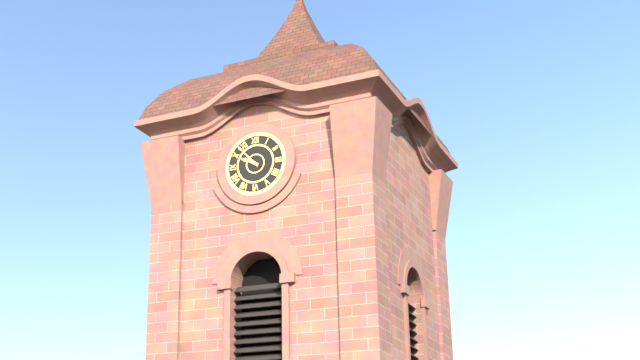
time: **9:53**
